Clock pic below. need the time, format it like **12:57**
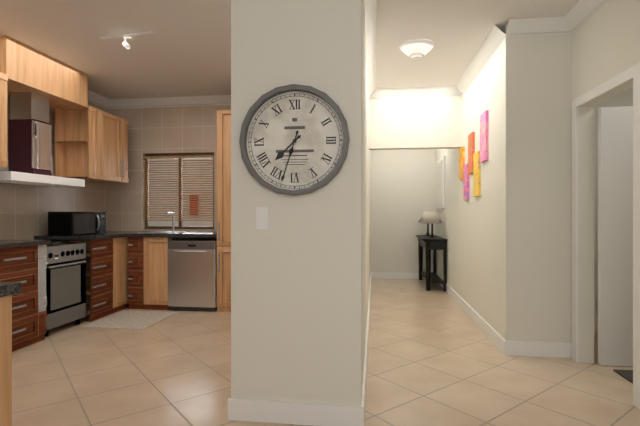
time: **7:33**
